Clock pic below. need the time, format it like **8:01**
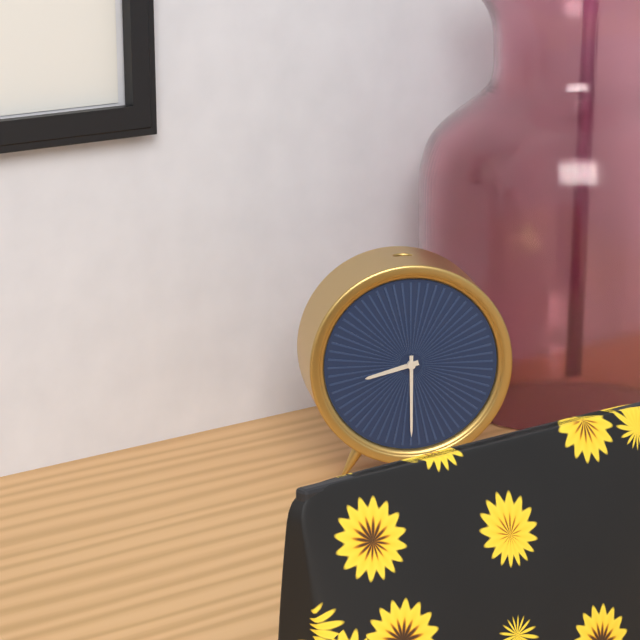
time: **8:30**
